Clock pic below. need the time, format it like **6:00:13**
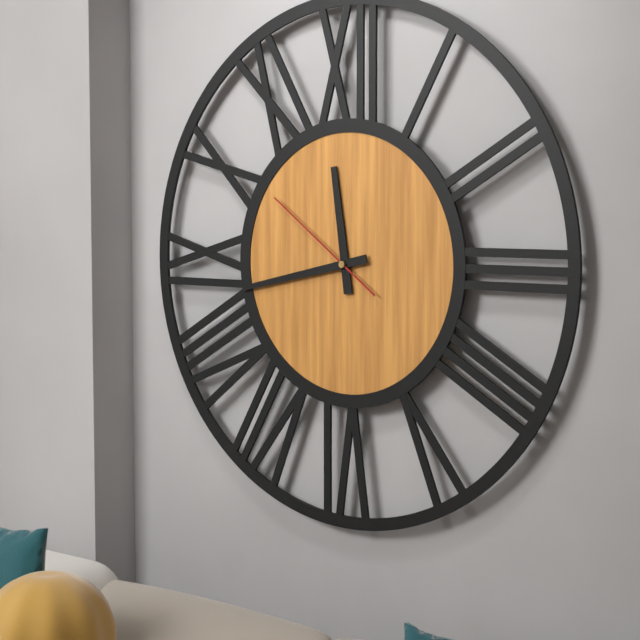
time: **11:43:51**
